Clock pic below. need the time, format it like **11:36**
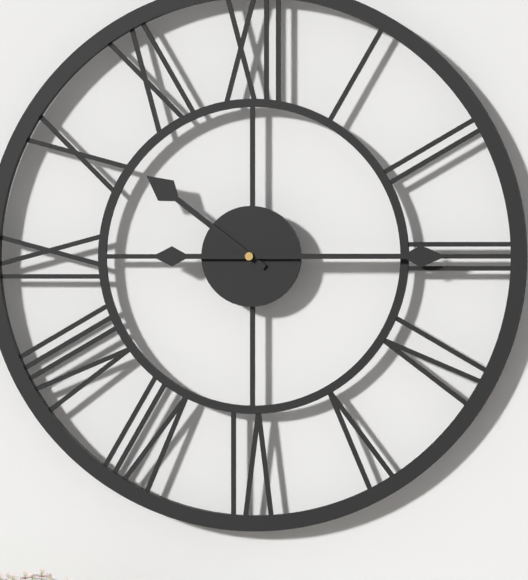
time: **10:15**
